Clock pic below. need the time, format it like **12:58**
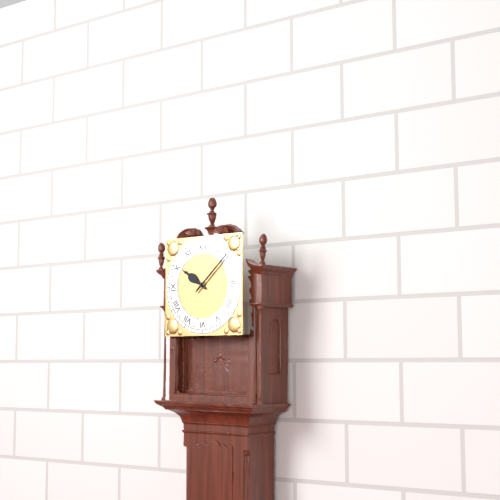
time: **10:08**
